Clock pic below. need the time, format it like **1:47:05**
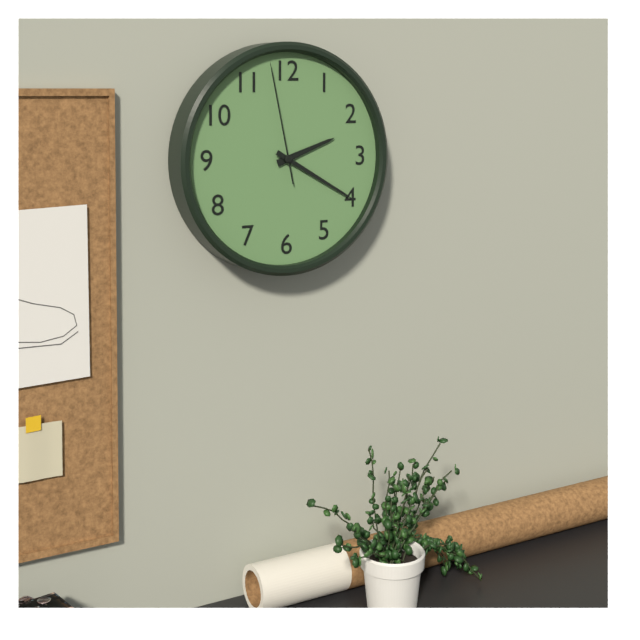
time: **2:20:58**
